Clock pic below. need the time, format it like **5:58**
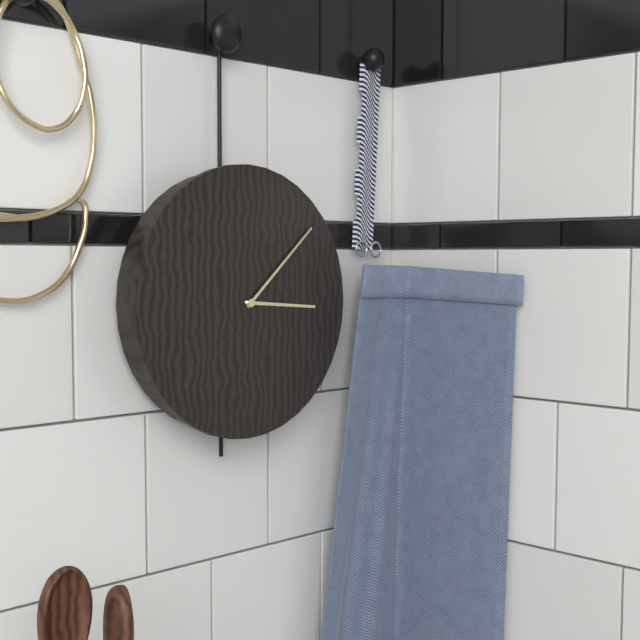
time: **3:08**
